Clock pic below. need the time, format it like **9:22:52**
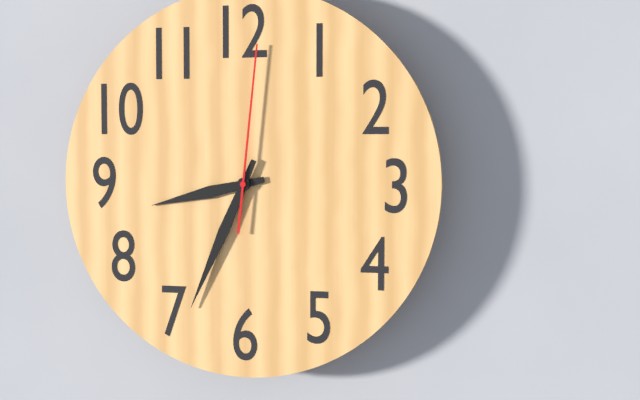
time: **8:34:01**
